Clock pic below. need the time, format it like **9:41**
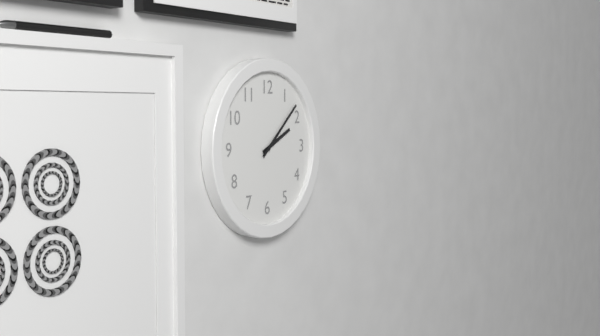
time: **2:08**
